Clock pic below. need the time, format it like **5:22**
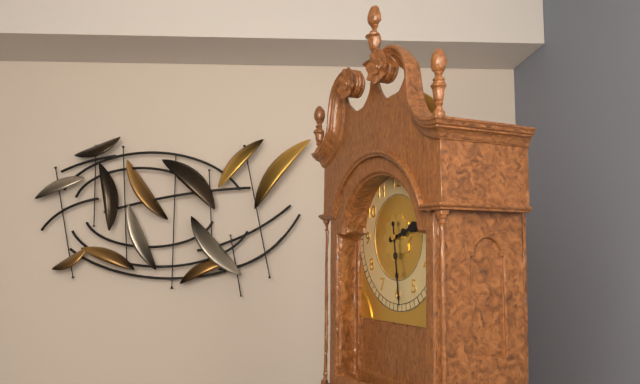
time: **2:29**
